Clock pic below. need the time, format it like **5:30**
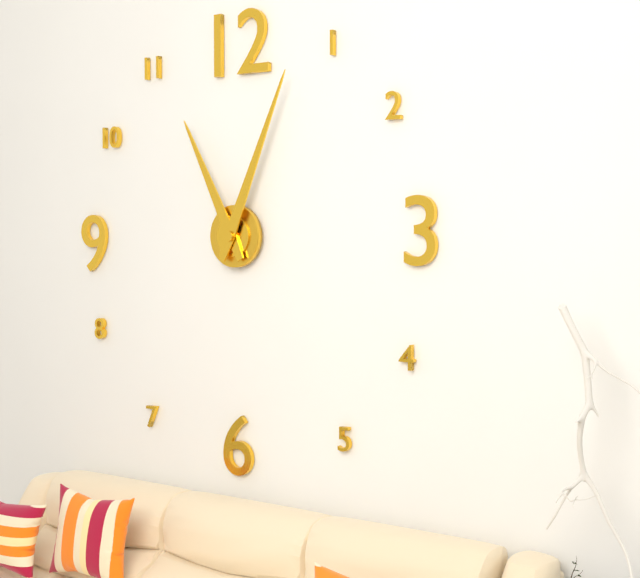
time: **11:04**
